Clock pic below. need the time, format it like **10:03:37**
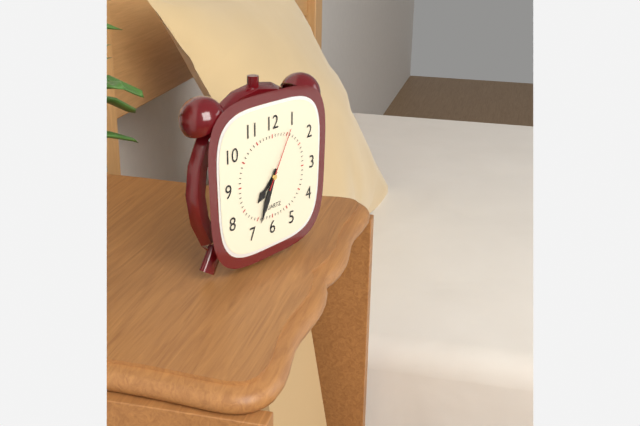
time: **7:34:05**
